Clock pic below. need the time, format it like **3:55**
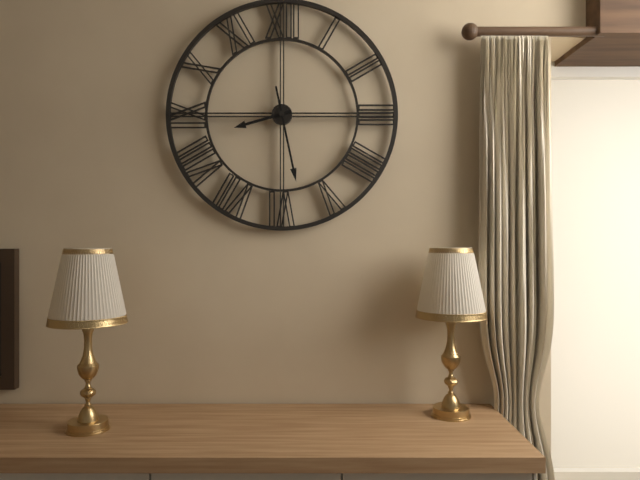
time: **8:28**
